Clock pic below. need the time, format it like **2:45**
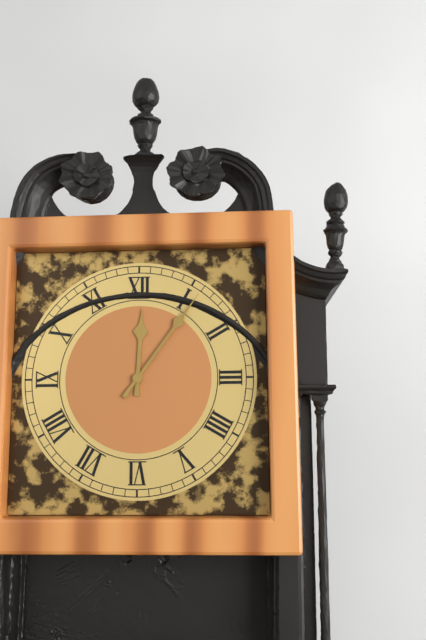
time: **12:06**
